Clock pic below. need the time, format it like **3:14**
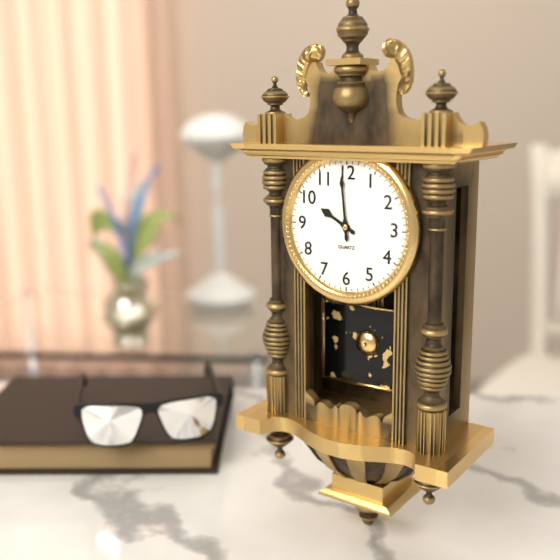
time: **9:59**
